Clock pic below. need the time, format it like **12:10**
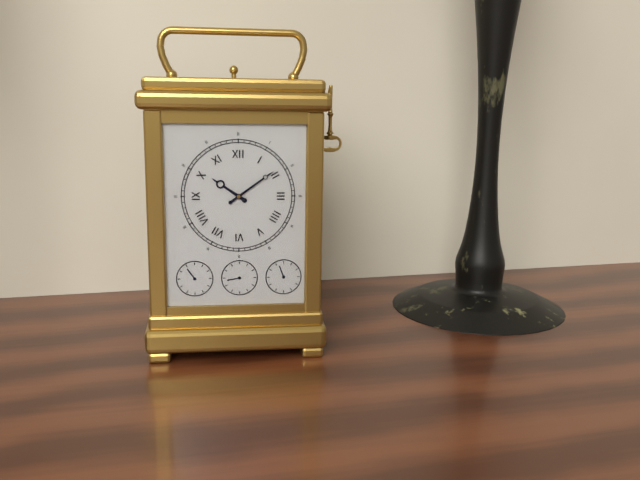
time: **10:09**
